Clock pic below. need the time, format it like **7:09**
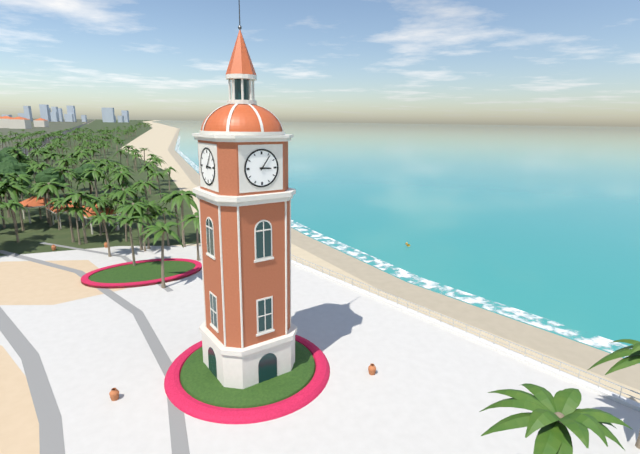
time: **3:06**
